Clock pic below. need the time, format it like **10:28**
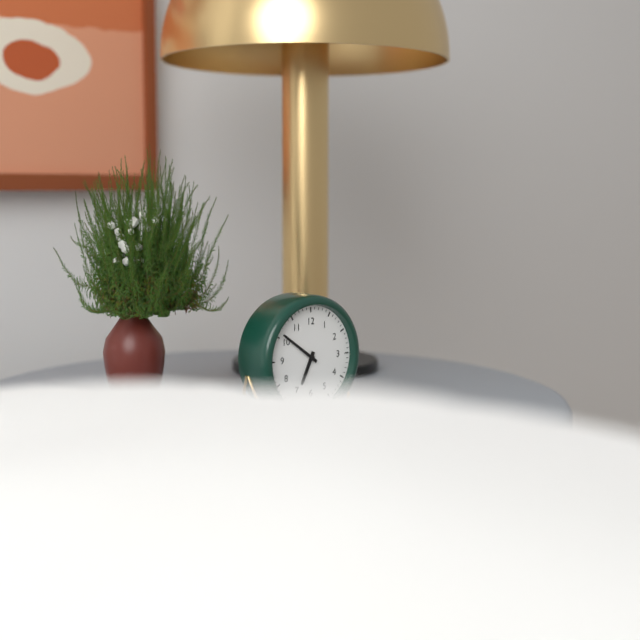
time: **6:51**
